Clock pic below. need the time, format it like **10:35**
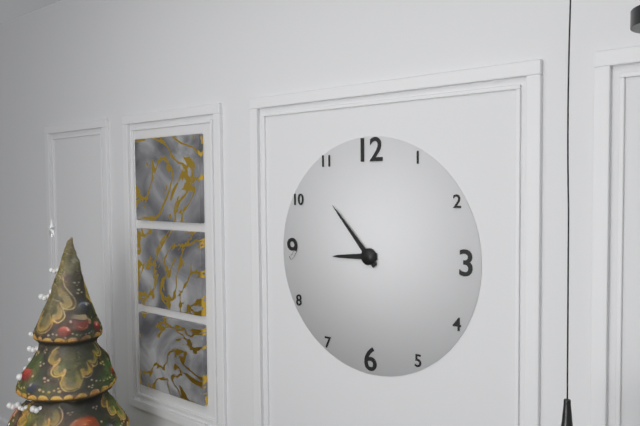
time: **8:53**
